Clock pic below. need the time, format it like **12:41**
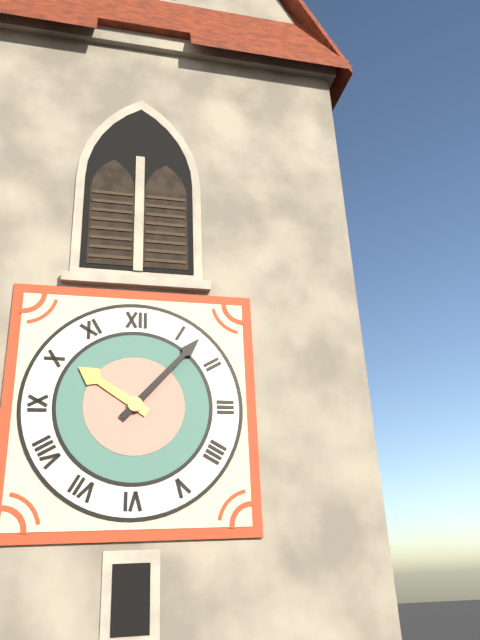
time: **10:07**
